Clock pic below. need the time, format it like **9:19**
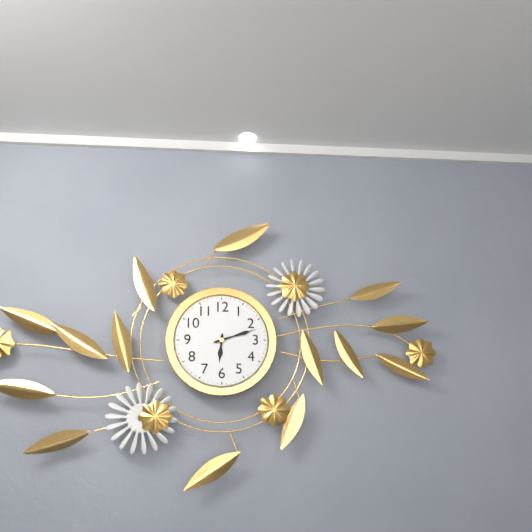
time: **6:12**
